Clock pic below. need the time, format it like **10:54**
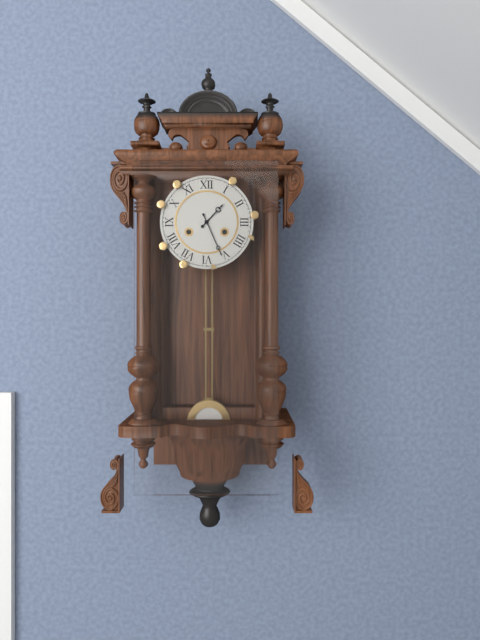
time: **1:26**
